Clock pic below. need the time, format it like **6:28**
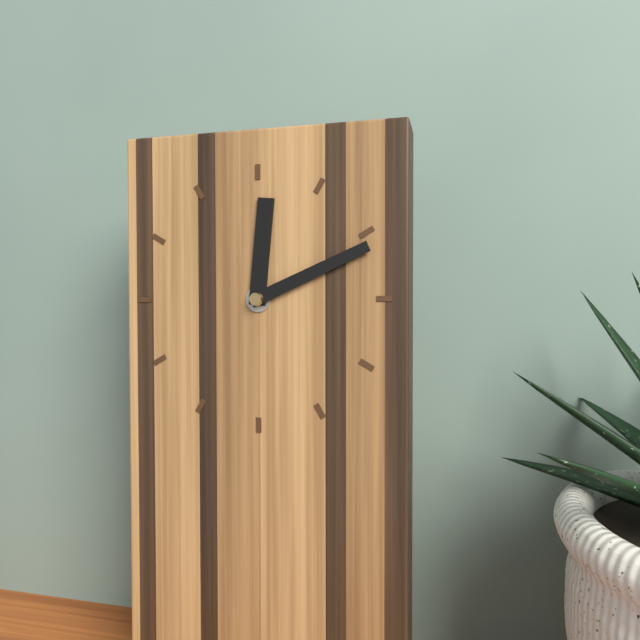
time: **12:11**
